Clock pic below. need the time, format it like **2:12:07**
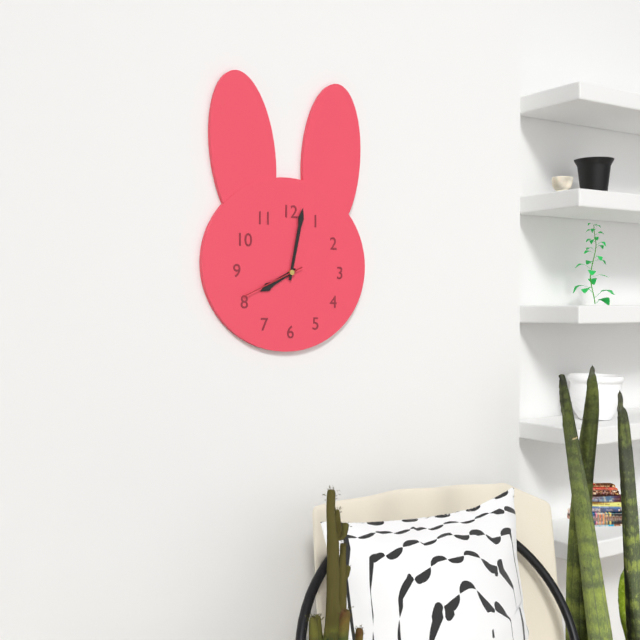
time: **8:02:41**
